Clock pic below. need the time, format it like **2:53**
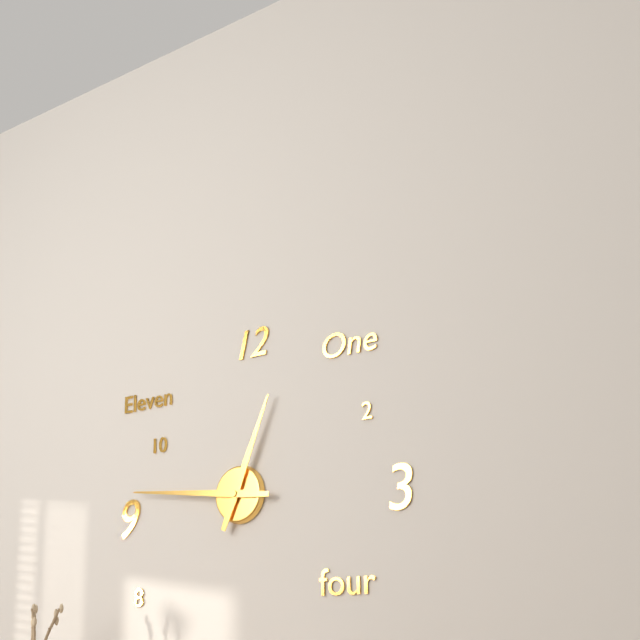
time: **12:46**
